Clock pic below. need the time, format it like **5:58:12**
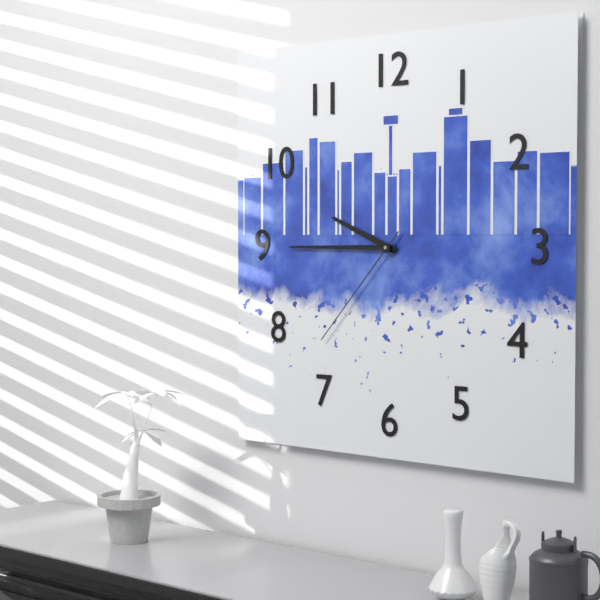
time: **9:45:37**
